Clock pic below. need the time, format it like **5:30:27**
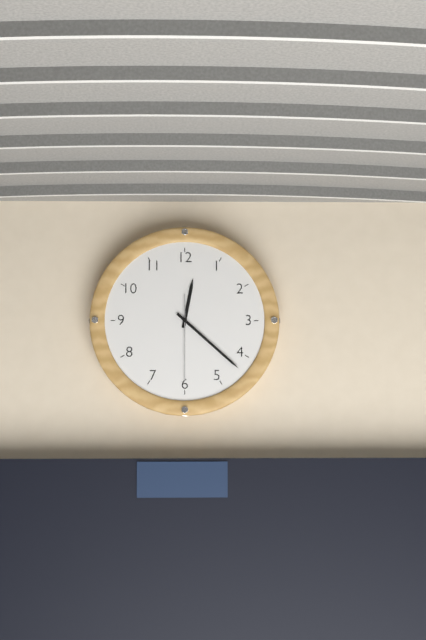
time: **12:22:30**
